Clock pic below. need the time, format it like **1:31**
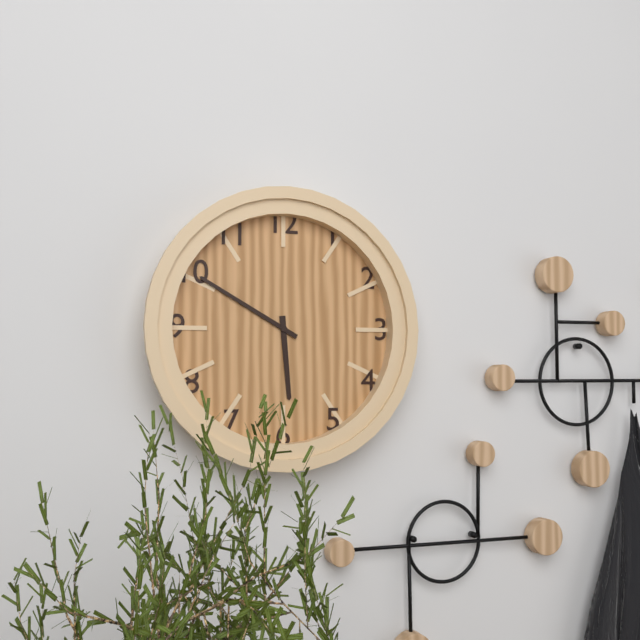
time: **5:50**
